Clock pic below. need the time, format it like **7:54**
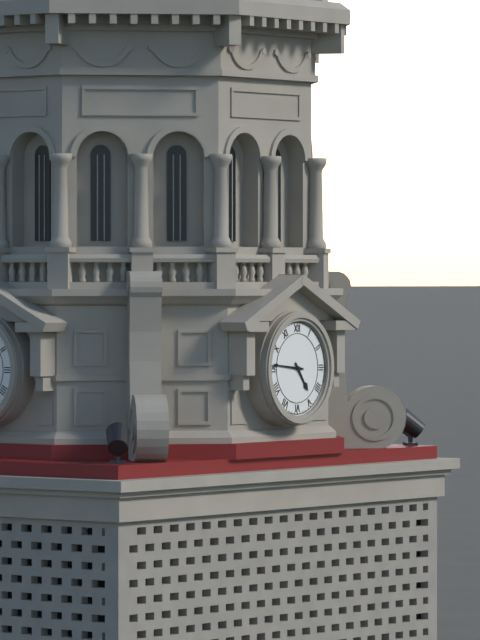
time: **4:46**
